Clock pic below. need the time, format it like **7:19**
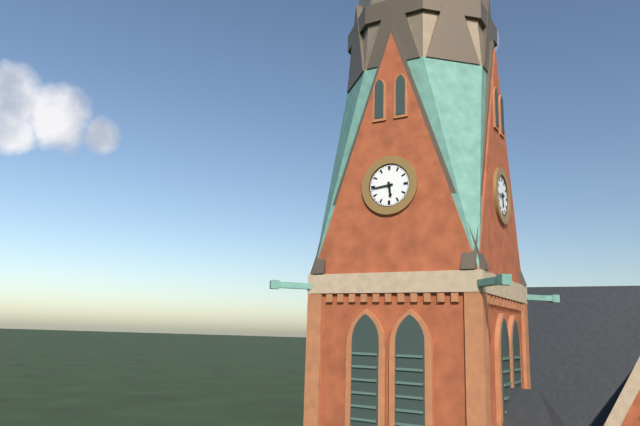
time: **5:44**
